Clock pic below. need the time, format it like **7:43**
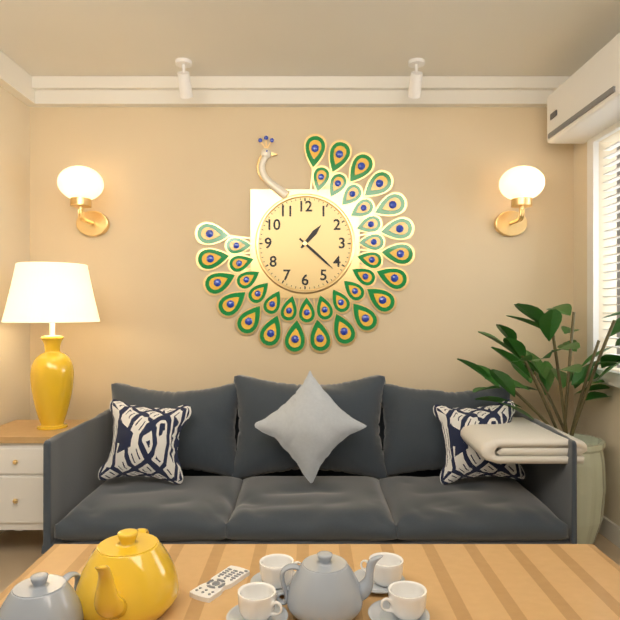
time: **1:22**
